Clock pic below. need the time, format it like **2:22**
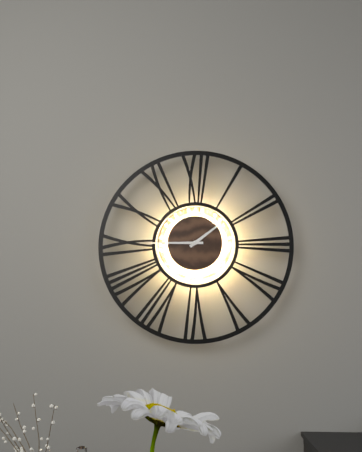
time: **1:45**
